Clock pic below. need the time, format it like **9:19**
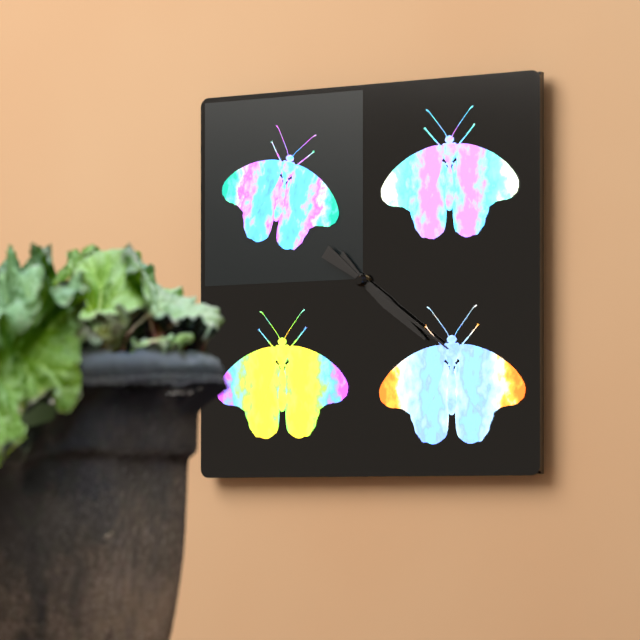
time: **4:21**
